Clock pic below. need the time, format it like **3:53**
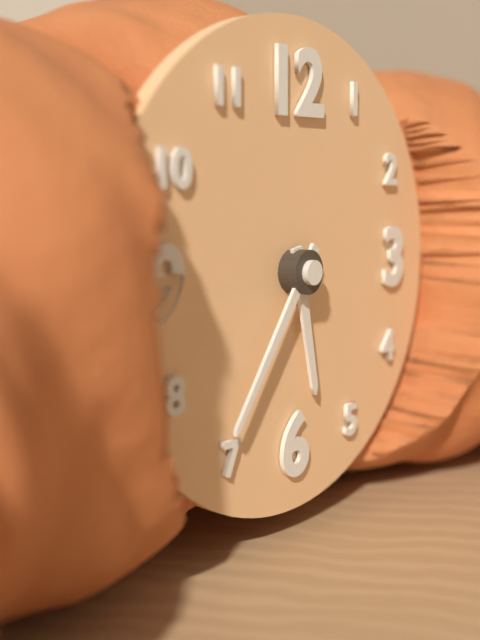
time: **5:36**
